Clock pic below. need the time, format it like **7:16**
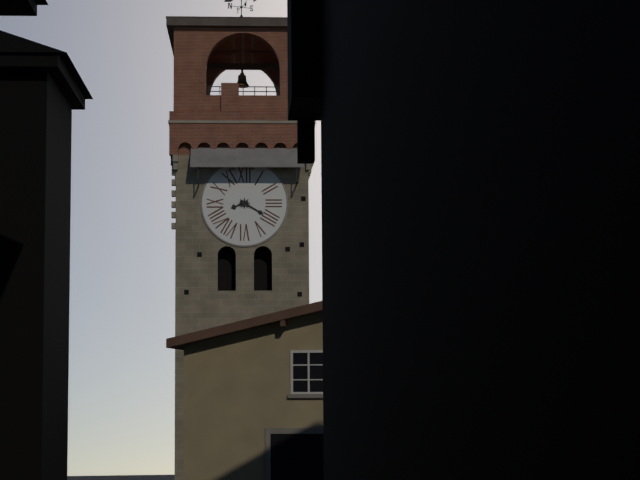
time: **8:20**
